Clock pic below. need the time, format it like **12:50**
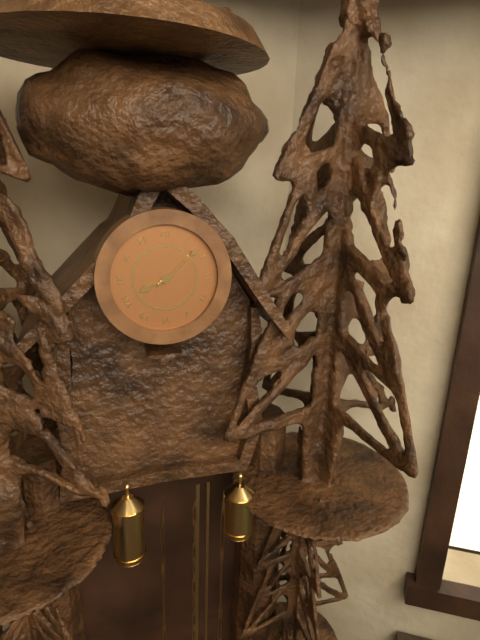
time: **8:08**
